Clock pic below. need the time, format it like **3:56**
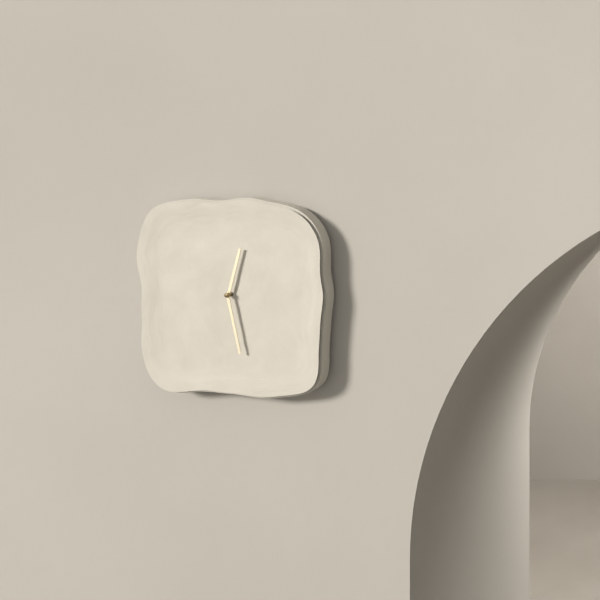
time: **12:28**
